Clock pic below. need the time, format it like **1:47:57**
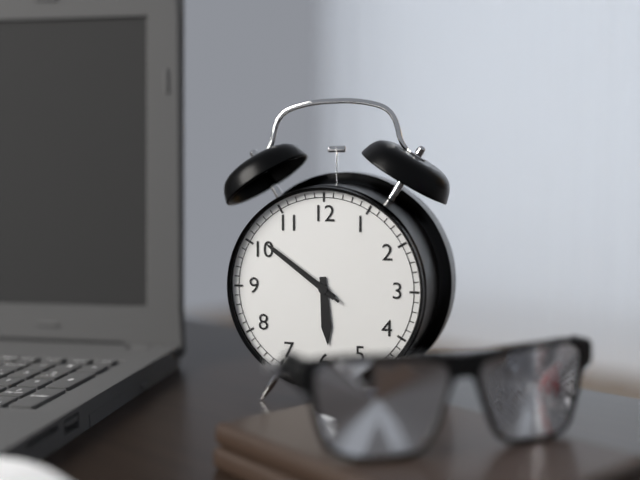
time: **5:51:51**
